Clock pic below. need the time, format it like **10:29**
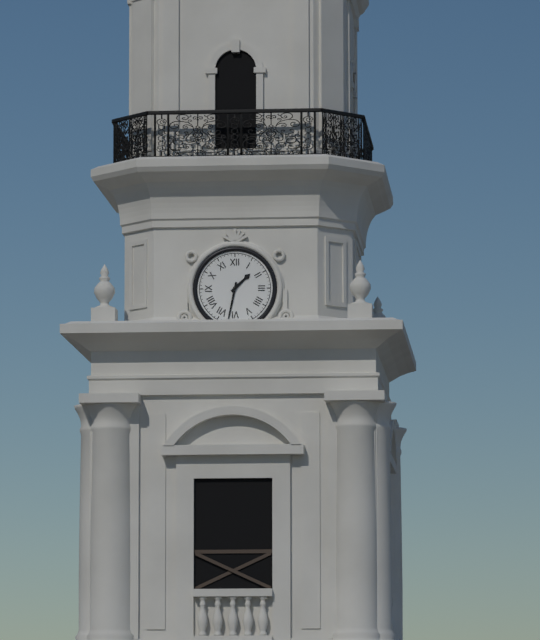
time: **1:32**
